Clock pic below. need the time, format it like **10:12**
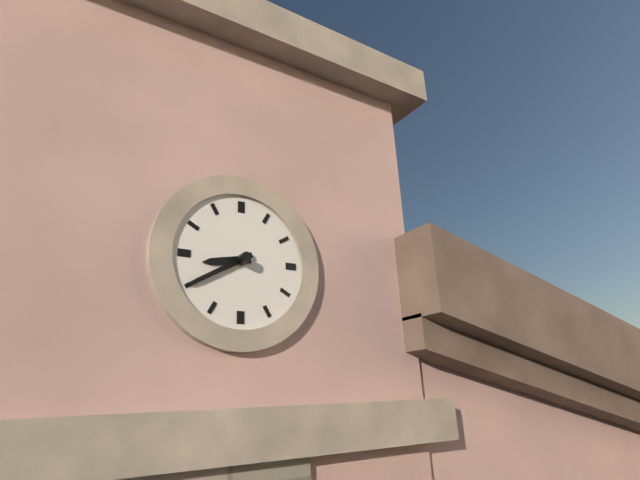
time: **8:40**
